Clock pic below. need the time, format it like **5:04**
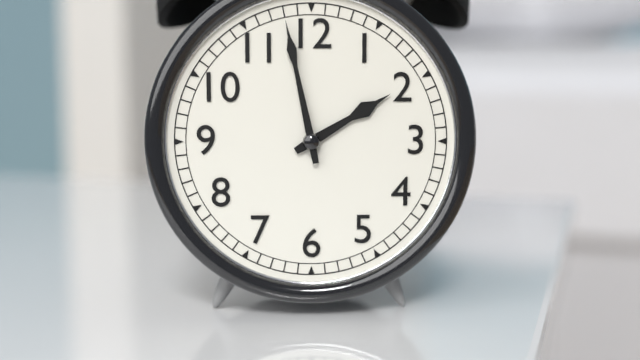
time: **1:58**
